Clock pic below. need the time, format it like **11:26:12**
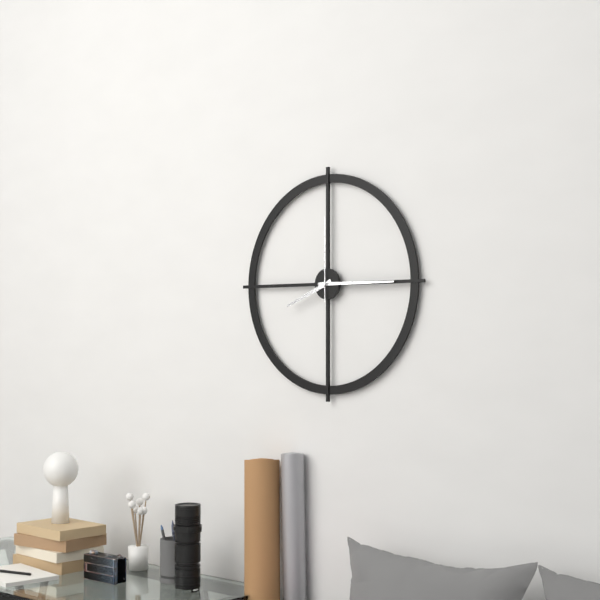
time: **8:15:00**
